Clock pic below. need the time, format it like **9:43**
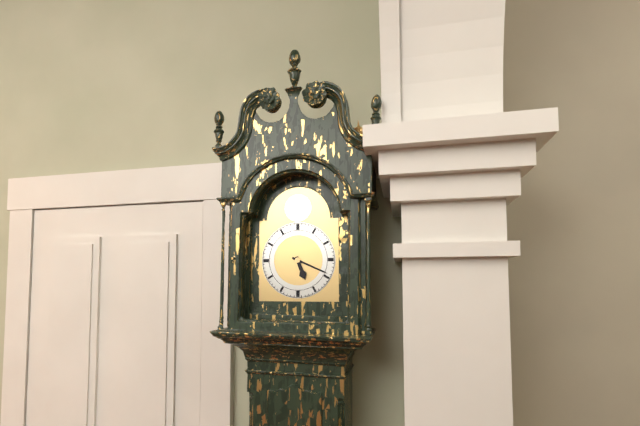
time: **5:19**
